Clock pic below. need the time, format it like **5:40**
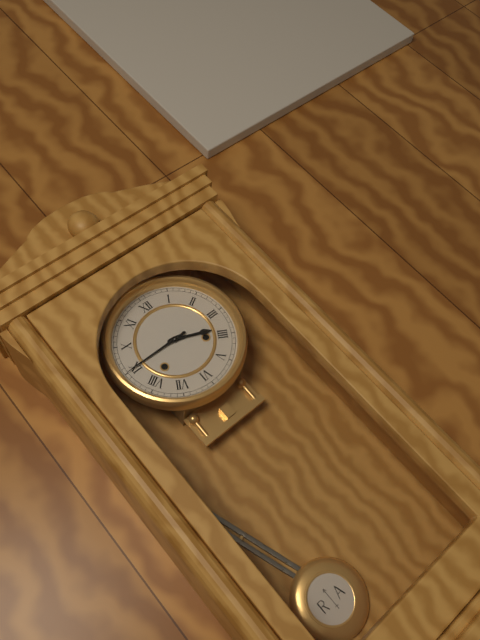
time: **3:45**
